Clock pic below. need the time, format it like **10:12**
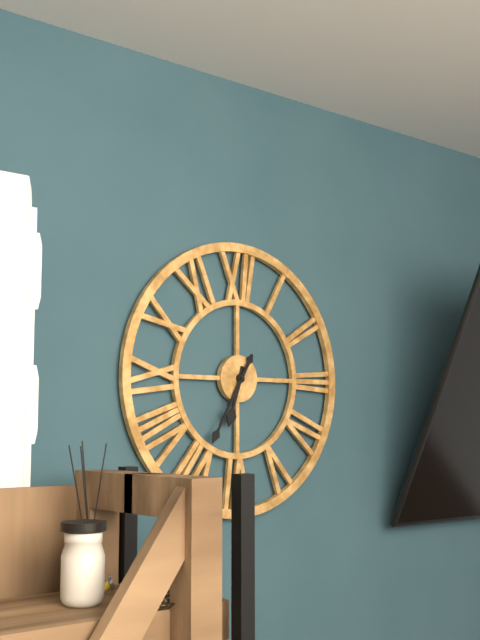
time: **6:35**
